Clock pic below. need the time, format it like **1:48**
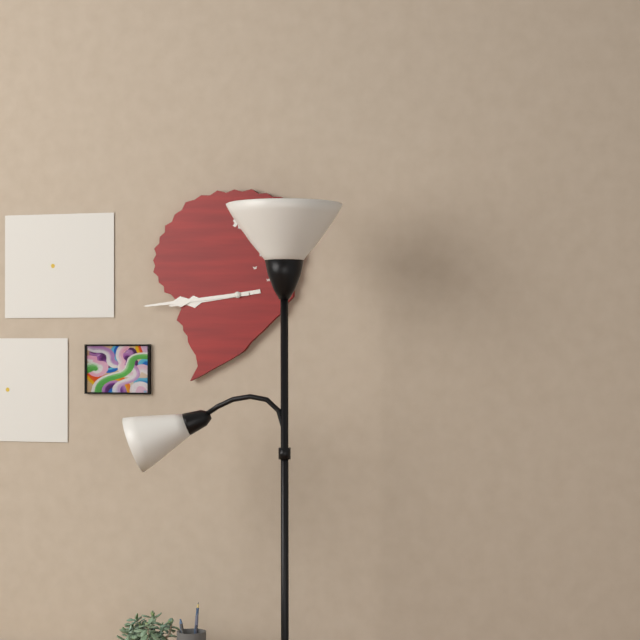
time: **8:44**
